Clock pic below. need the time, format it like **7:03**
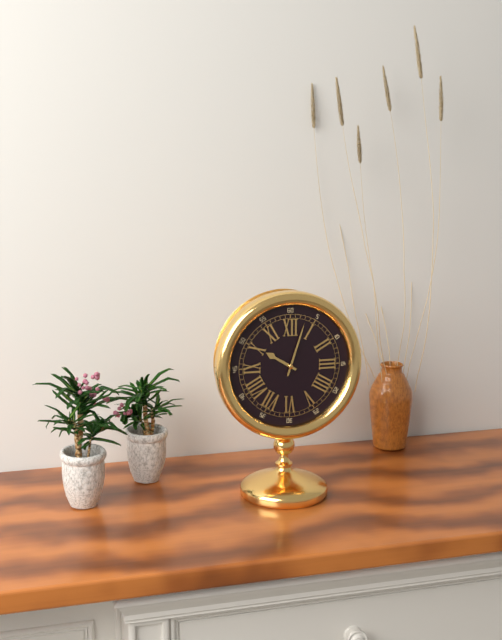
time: **10:03**
